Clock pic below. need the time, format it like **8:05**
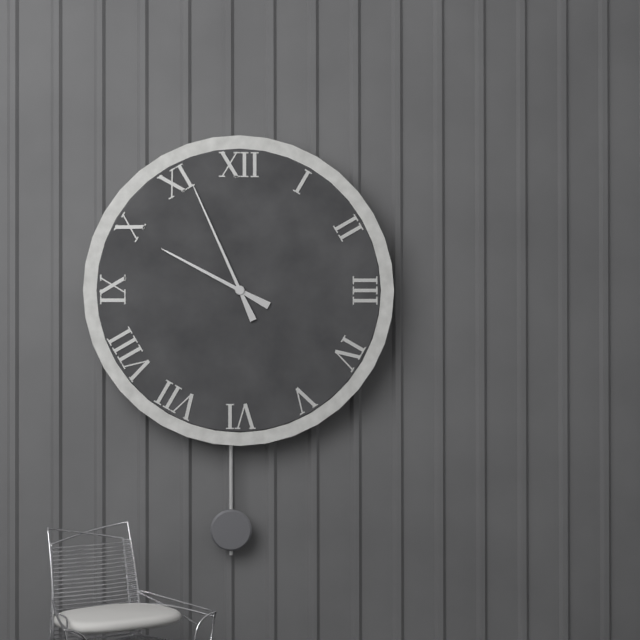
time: **9:56**
